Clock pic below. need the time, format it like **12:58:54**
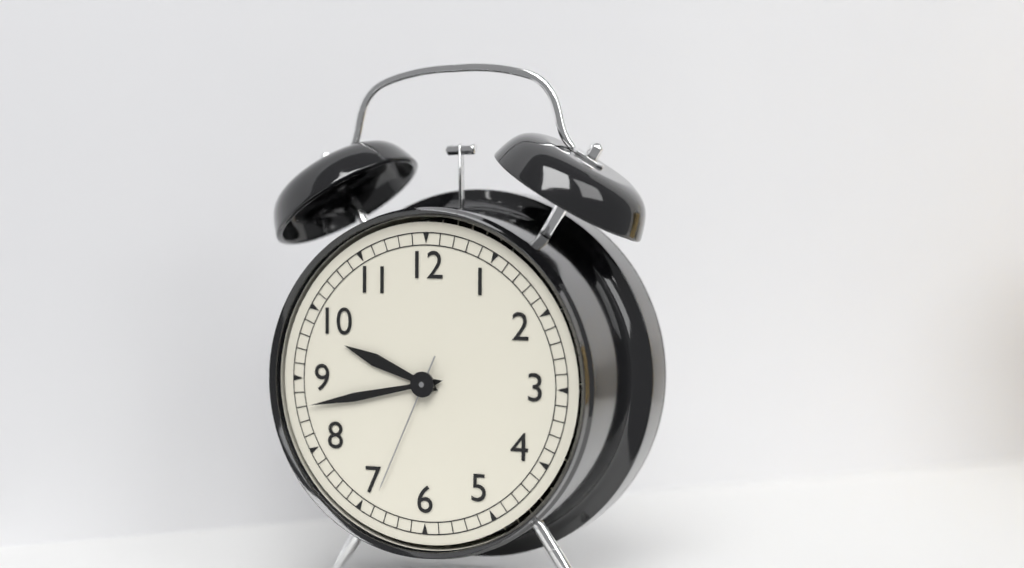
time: **9:43:34**
